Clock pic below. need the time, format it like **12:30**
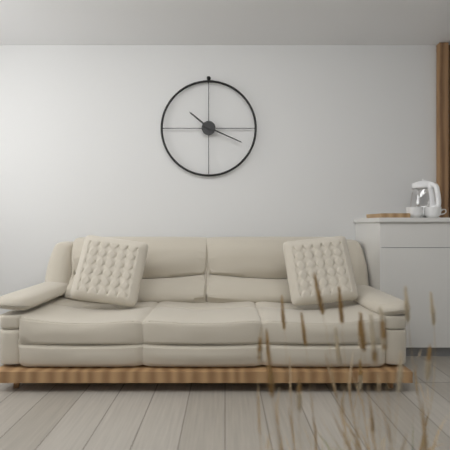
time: **10:19**
